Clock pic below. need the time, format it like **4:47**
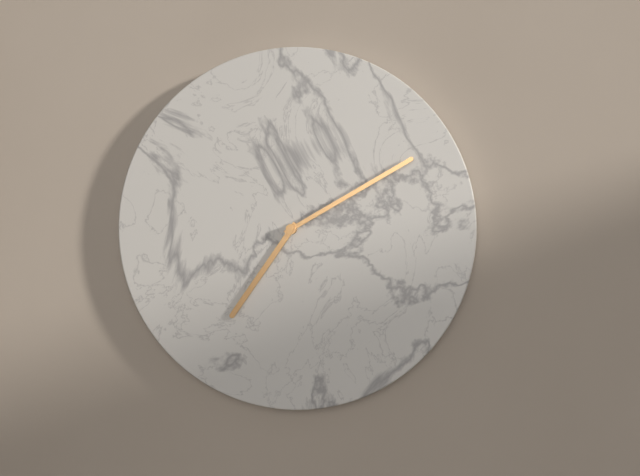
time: **7:10**
